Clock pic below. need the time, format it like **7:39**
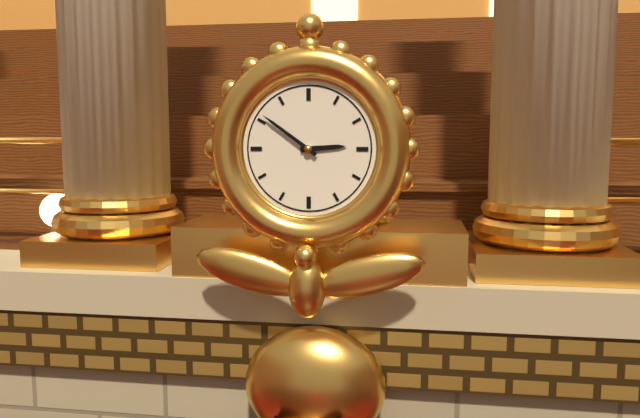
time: **2:51**
